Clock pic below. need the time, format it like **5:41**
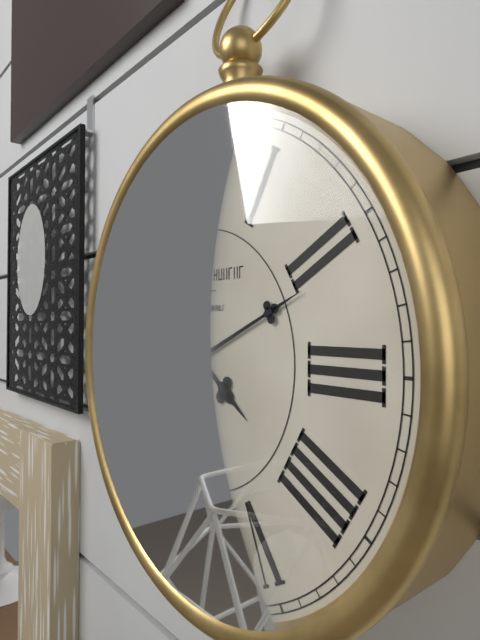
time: **4:11**
